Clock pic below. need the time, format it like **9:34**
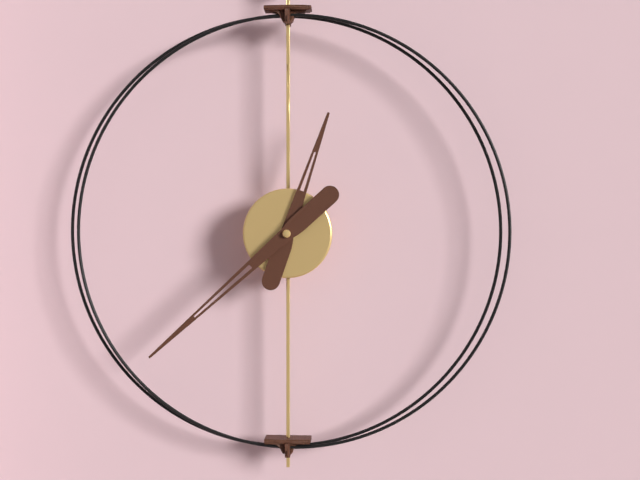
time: **12:38**
